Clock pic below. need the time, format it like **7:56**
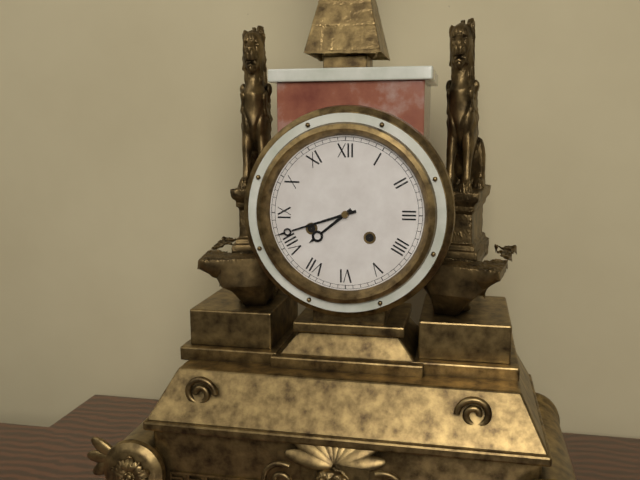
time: **7:42**
